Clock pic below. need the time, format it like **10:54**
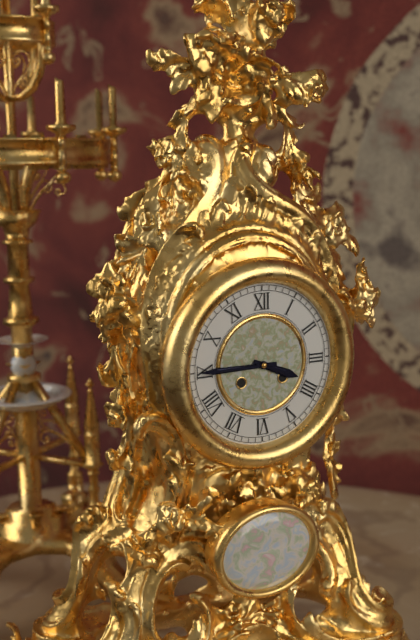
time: **3:45**
